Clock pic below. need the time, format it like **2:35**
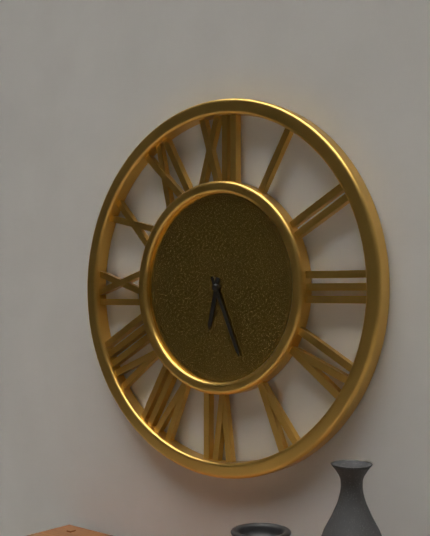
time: **6:26**
